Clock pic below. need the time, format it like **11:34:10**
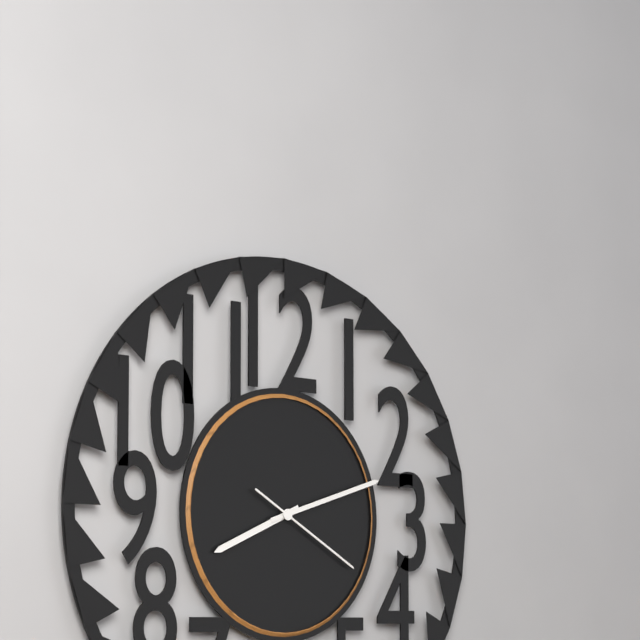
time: **8:12:20**
